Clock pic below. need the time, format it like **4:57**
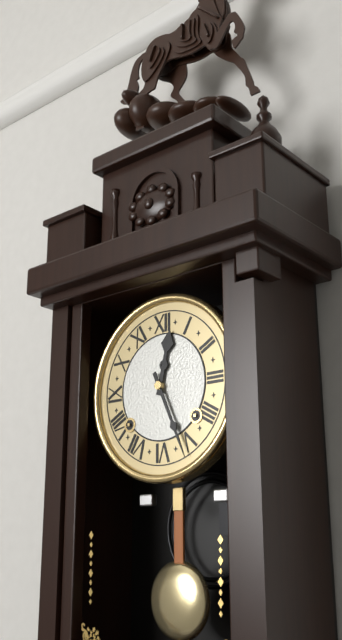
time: **12:26**
